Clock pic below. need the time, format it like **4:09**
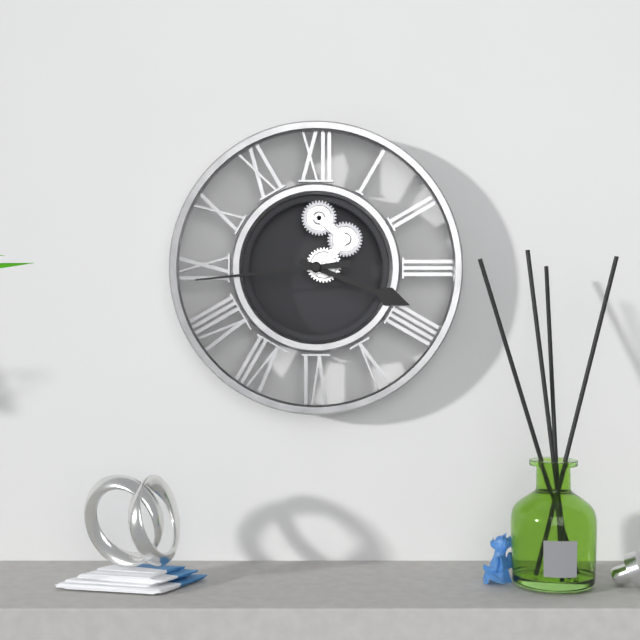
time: **3:44**
